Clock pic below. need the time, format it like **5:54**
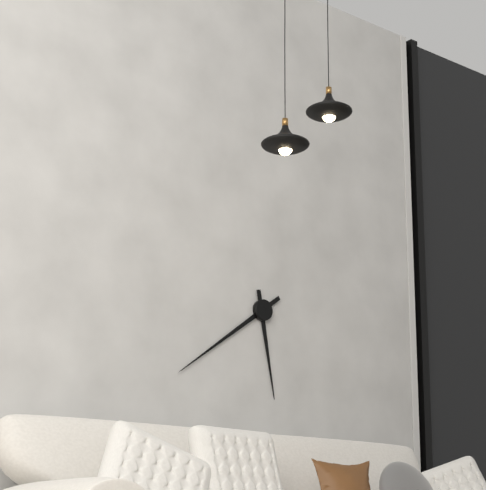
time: **5:39**
